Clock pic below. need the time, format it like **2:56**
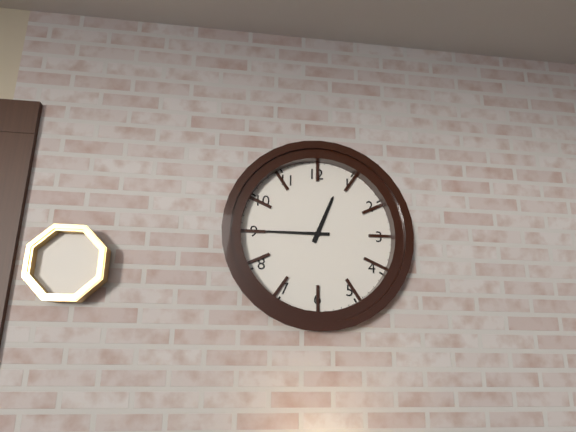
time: **12:45**
